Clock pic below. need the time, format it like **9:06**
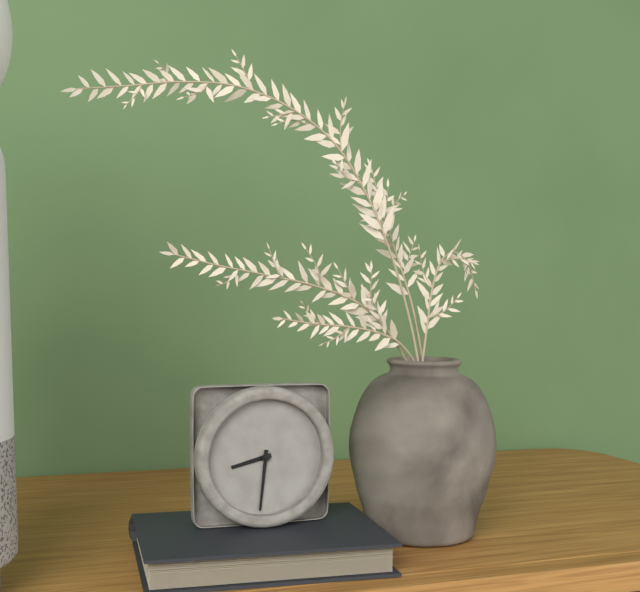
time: **8:31**
